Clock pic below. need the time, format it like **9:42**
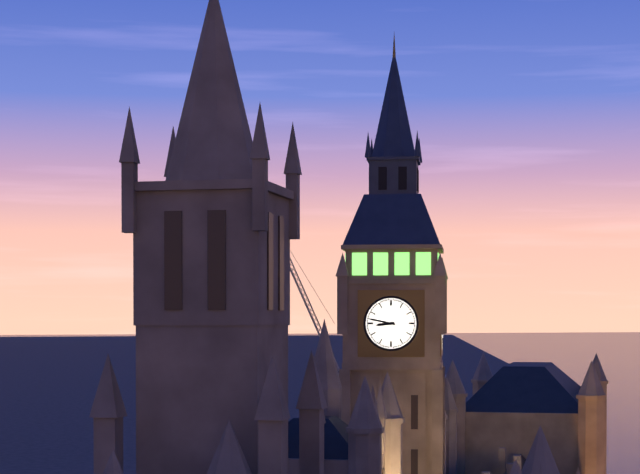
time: **8:47**
